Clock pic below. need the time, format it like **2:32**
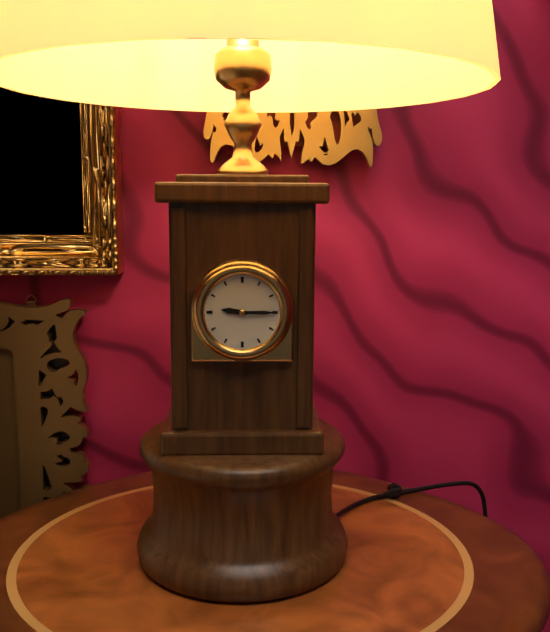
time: **9:15**
